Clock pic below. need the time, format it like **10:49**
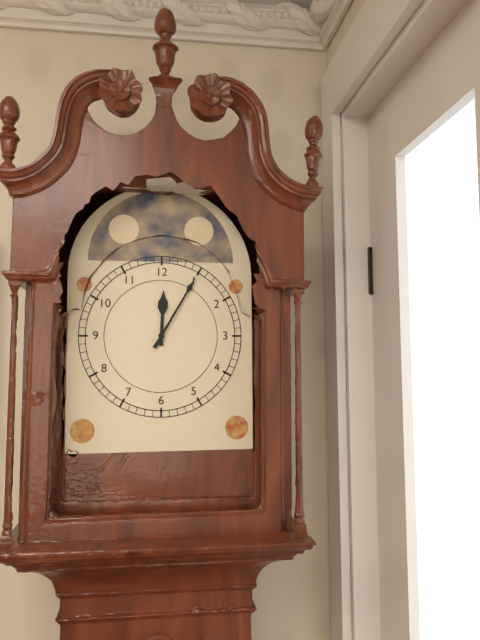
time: **12:05**
